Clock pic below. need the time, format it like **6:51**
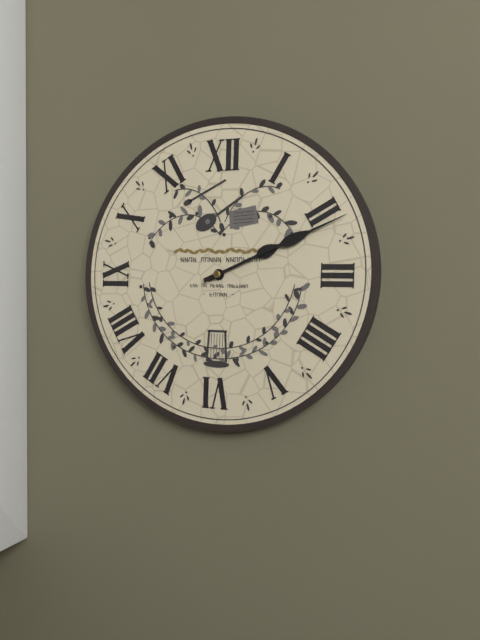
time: **2:11**
